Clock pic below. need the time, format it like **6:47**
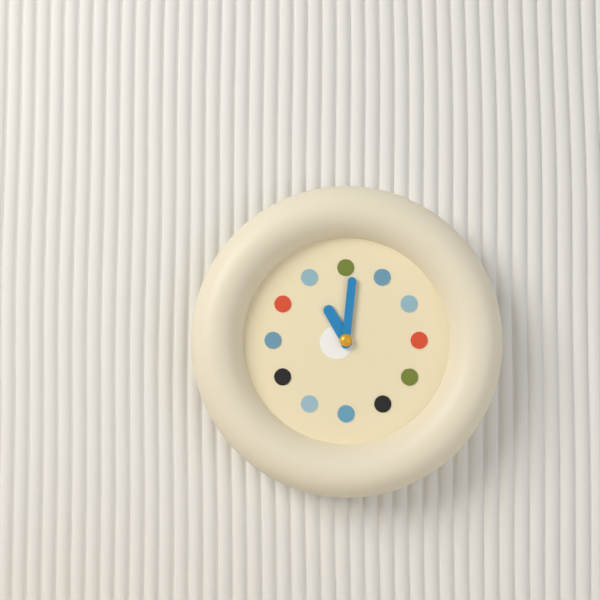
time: **11:01**
